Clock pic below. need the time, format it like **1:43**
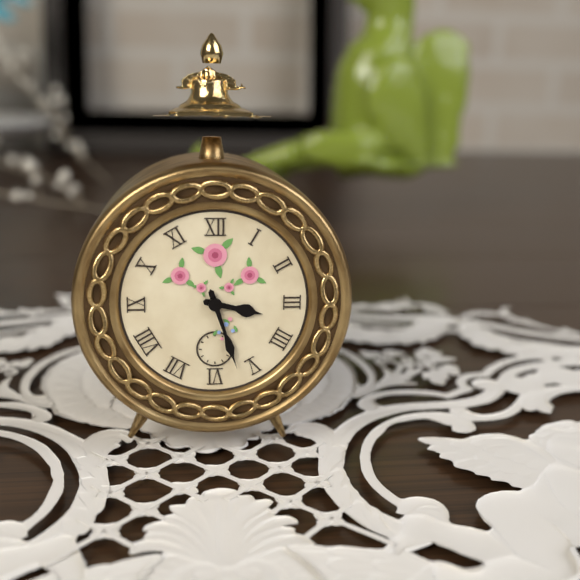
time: **3:27**
